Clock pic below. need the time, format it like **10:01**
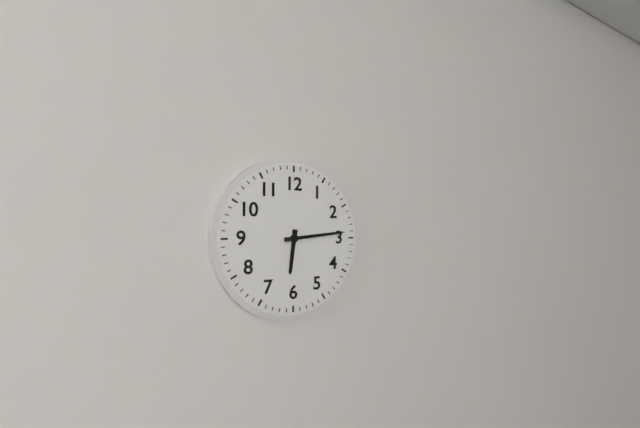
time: **6:14**
